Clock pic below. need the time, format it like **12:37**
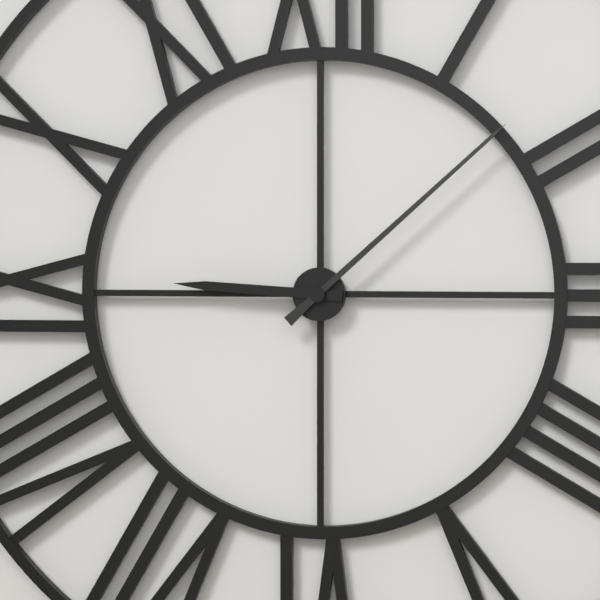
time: **9:08**
